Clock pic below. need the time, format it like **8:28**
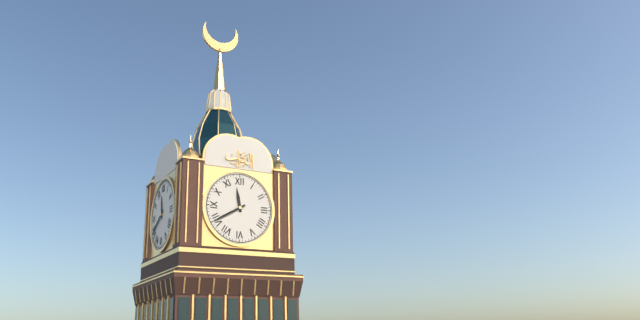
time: **11:40**
